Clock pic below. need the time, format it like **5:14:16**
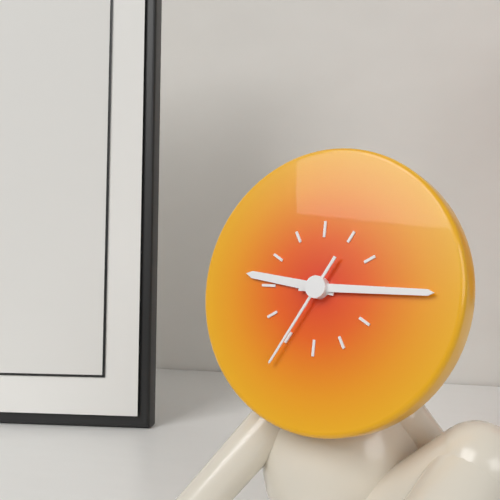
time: **9:15:35**
